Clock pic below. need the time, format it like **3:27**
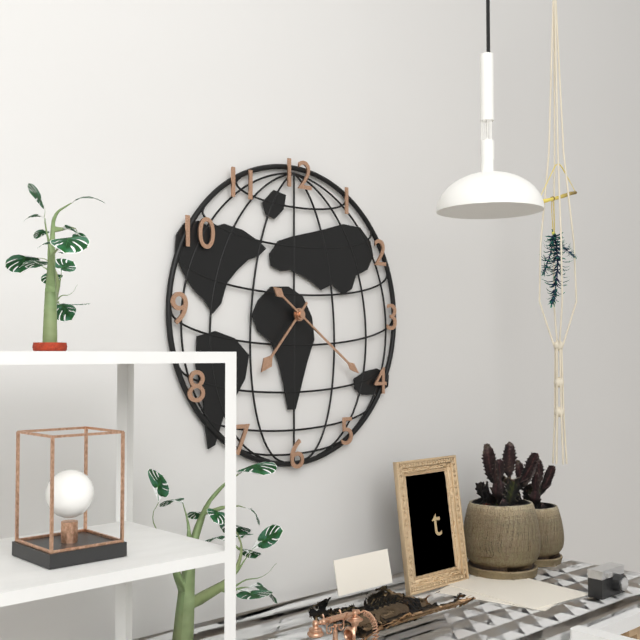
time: **7:21**
